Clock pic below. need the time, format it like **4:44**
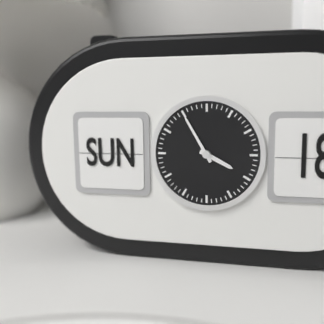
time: **3:55**
